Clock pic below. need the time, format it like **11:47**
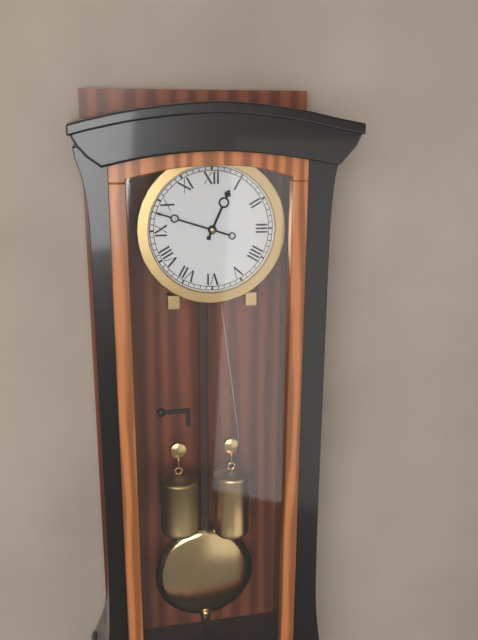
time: **12:48**
